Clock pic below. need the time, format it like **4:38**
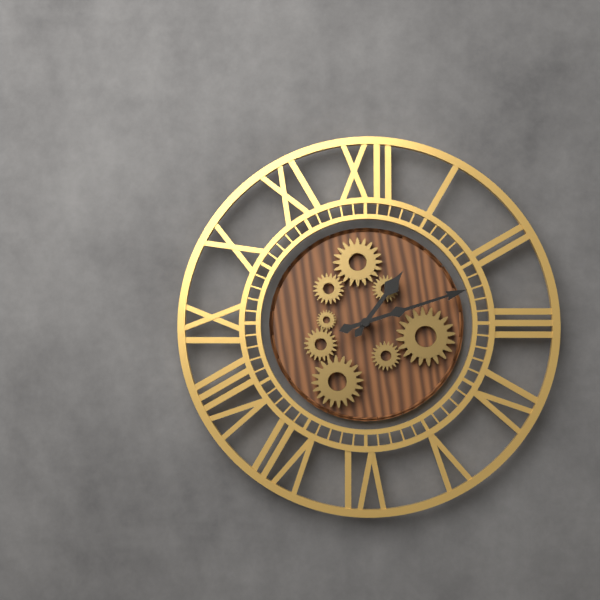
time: **1:12**
